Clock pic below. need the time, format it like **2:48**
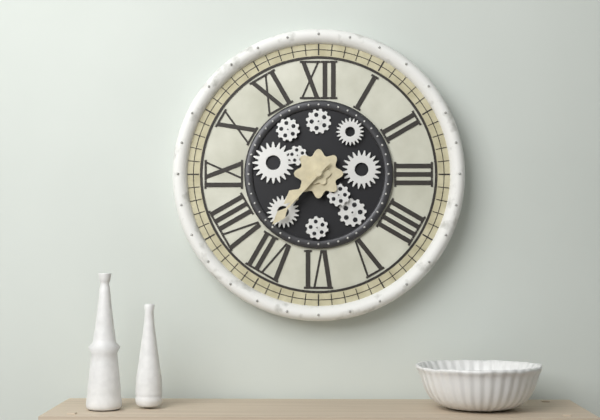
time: **7:37**
